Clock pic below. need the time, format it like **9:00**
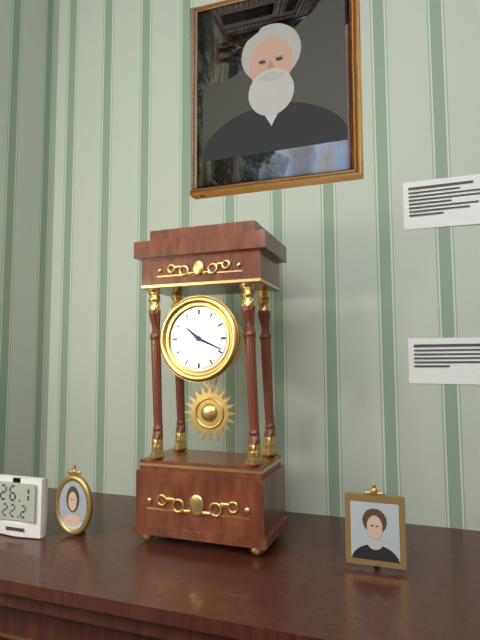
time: **10:19**
